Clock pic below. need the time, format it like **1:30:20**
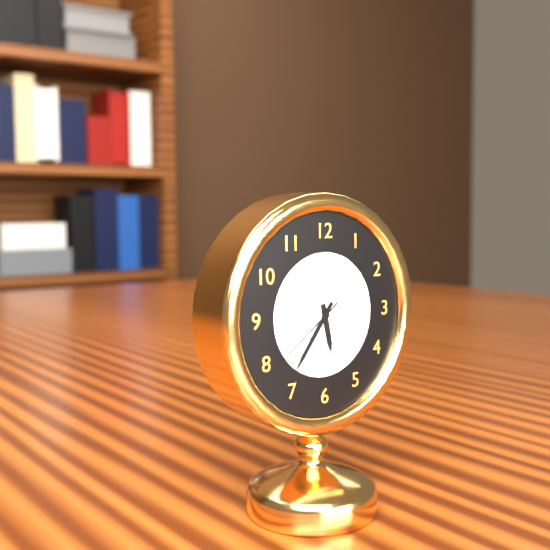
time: **5:36:39**
